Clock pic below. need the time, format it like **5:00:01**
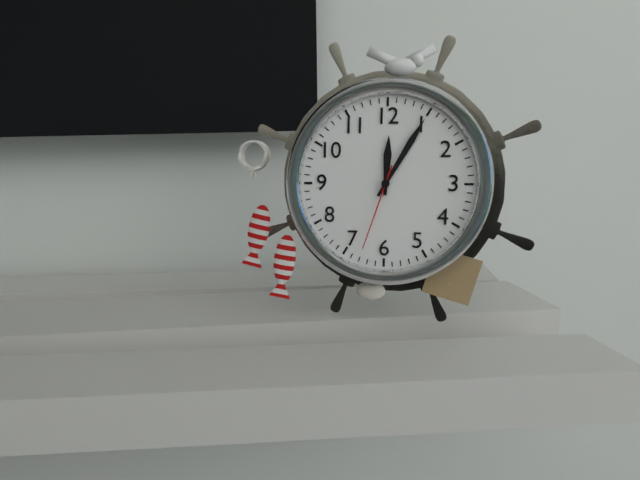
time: **12:05:33**
